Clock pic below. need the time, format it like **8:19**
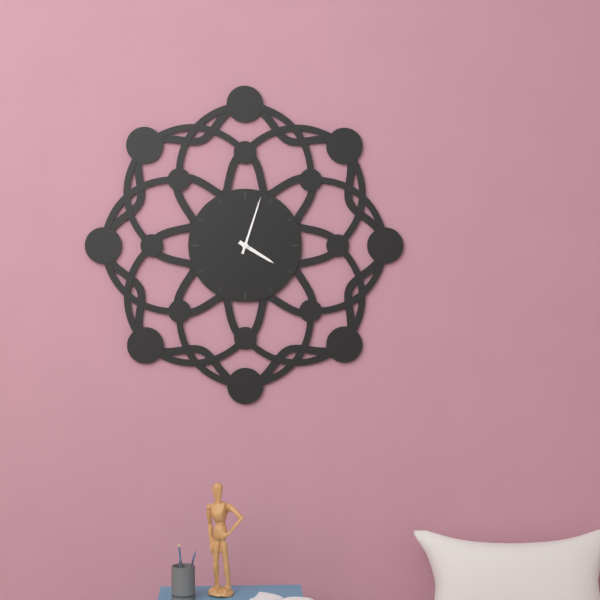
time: **4:03**
